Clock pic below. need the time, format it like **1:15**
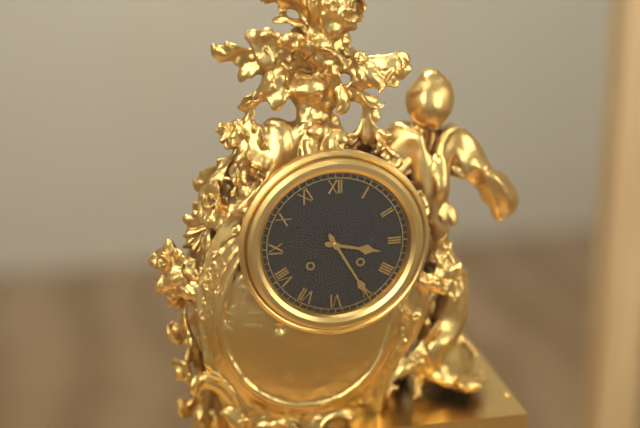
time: **3:25**
